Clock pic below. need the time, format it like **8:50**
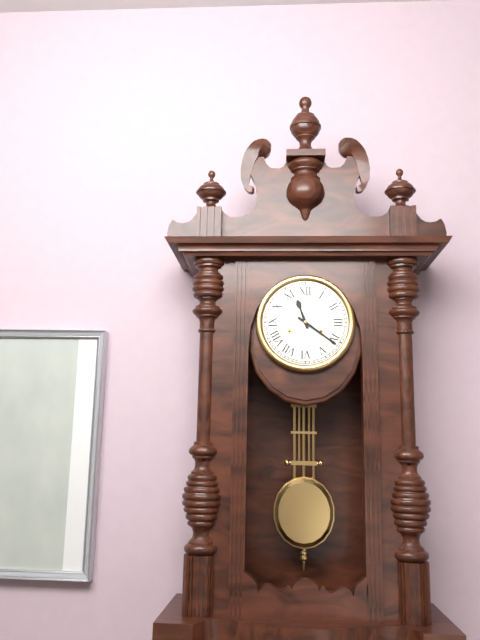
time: **11:21**
